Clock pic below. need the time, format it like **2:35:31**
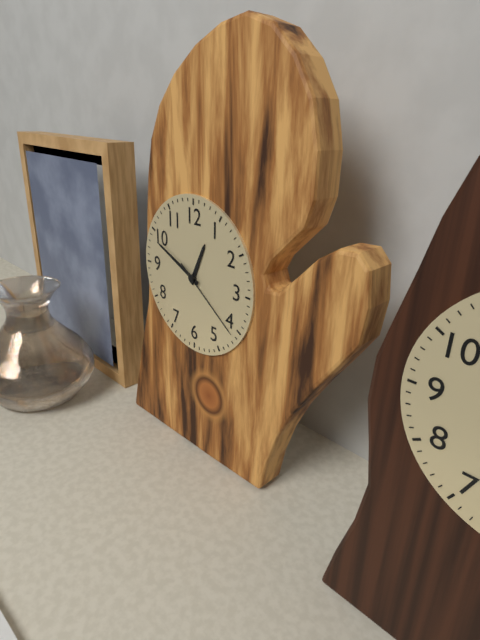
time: **12:49:21**
